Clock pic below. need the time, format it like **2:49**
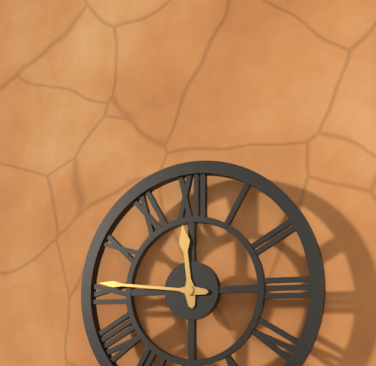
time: **11:46**
